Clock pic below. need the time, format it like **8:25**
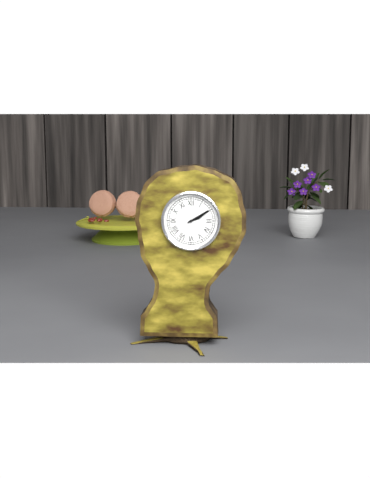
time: **2:10**
